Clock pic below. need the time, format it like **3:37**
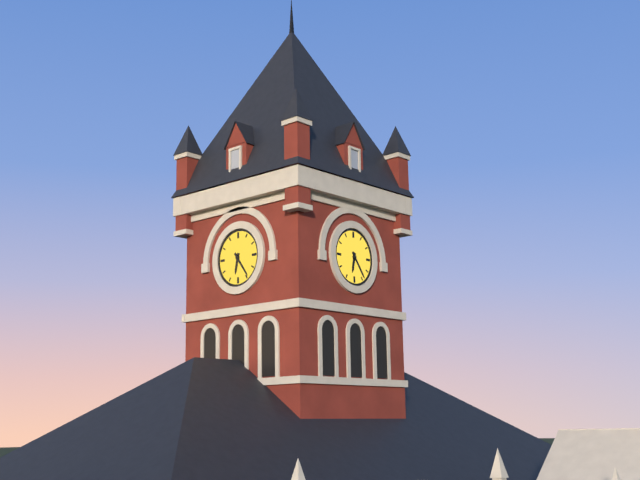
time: **6:24**
